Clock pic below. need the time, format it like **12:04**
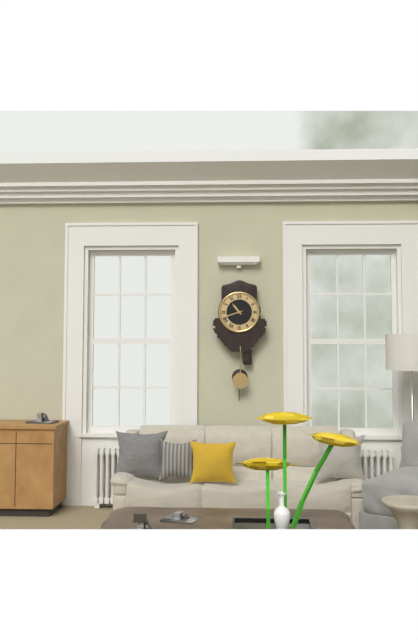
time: **10:42**
